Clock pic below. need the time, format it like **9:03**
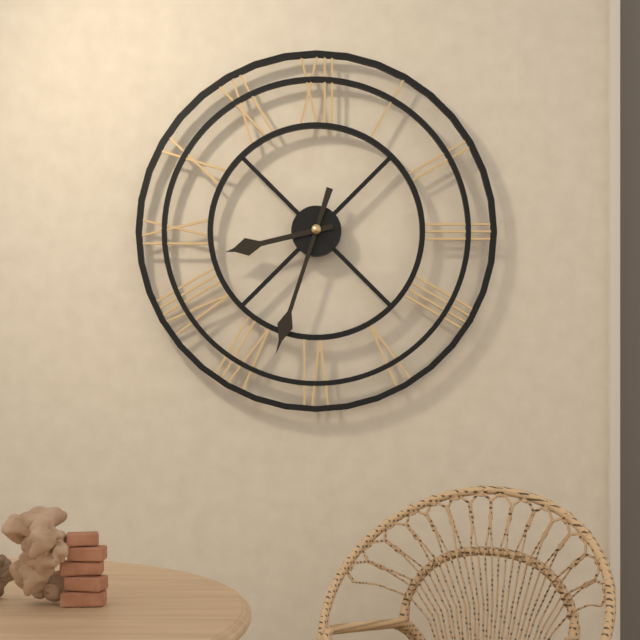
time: **8:33**
